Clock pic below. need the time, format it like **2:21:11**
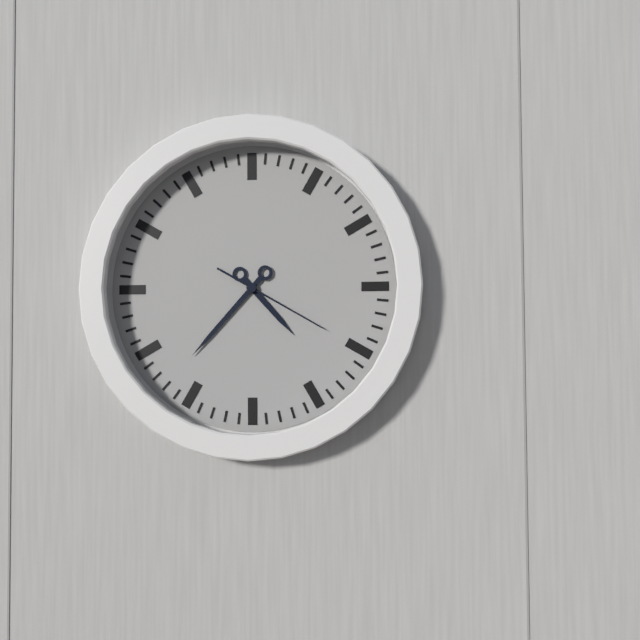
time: **4:37:20**
